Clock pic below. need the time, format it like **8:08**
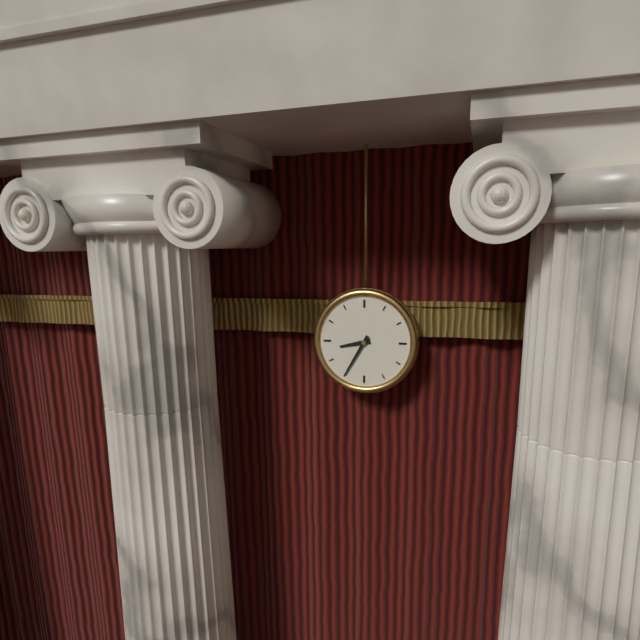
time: **8:35**
